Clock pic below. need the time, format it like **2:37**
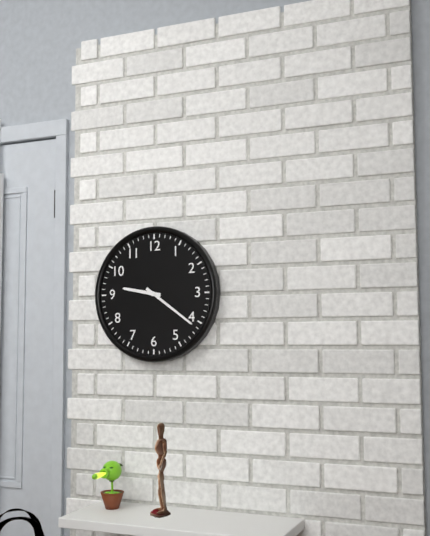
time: **9:21**
